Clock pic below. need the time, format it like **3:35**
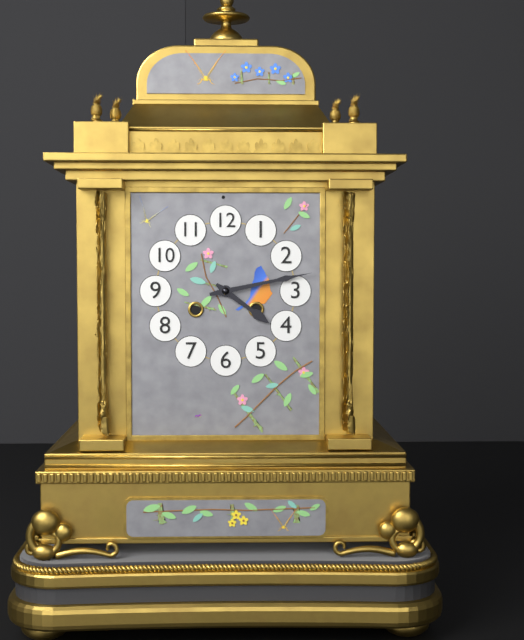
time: **4:13**
